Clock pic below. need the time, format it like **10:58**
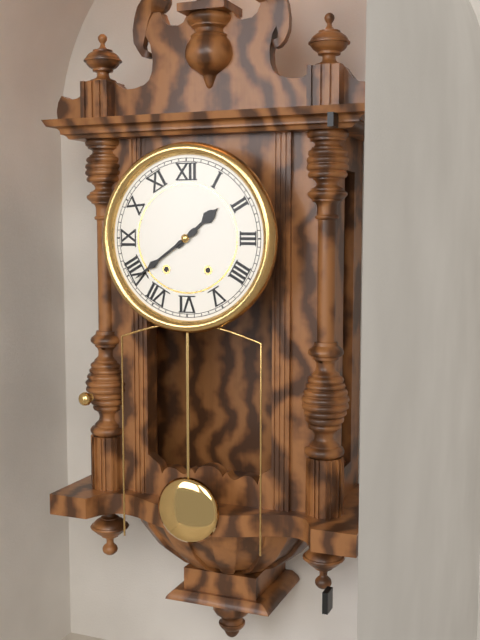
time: **1:39**
